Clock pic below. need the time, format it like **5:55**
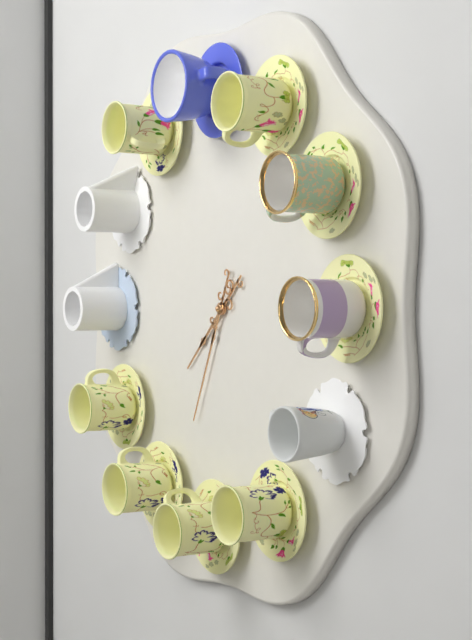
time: **7:34**
